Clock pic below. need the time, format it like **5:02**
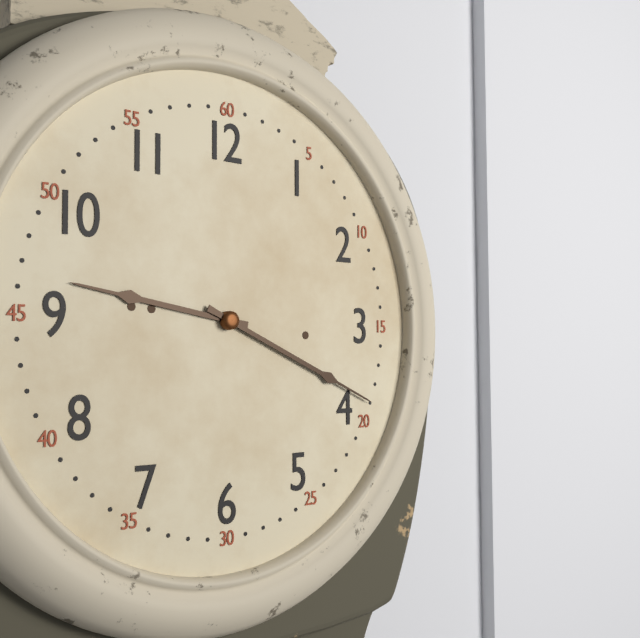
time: **9:19**
